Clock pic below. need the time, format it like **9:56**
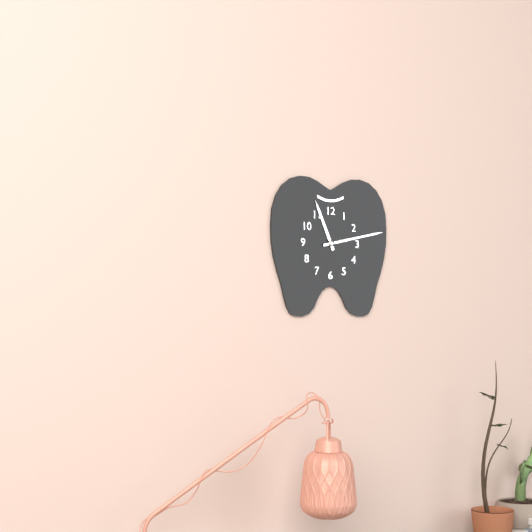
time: **11:13**
